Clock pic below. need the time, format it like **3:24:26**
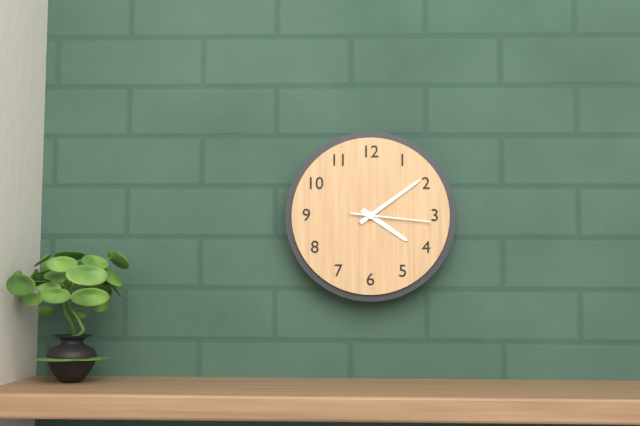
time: **4:09:16**
